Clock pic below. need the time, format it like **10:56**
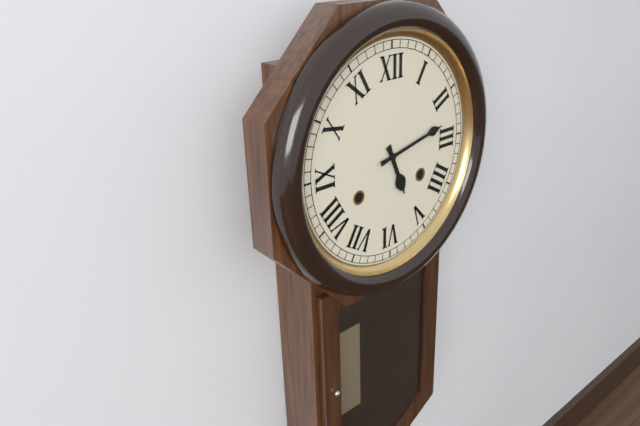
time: **5:13**
